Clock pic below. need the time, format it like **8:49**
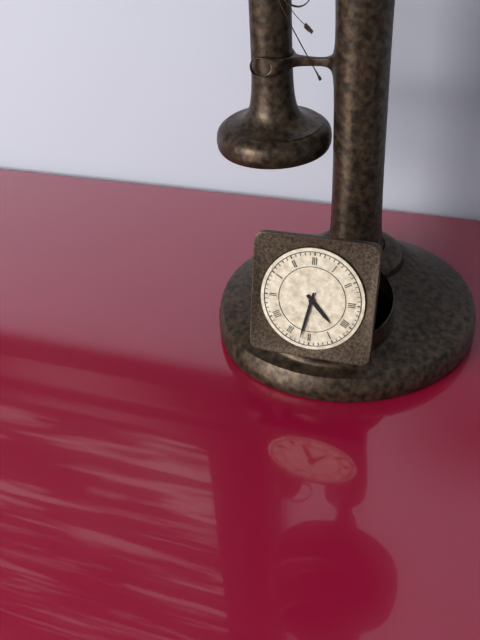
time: **4:32**
